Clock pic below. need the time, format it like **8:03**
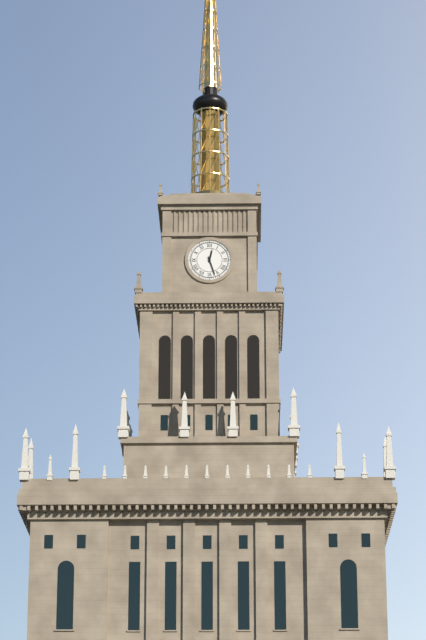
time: **12:27**
